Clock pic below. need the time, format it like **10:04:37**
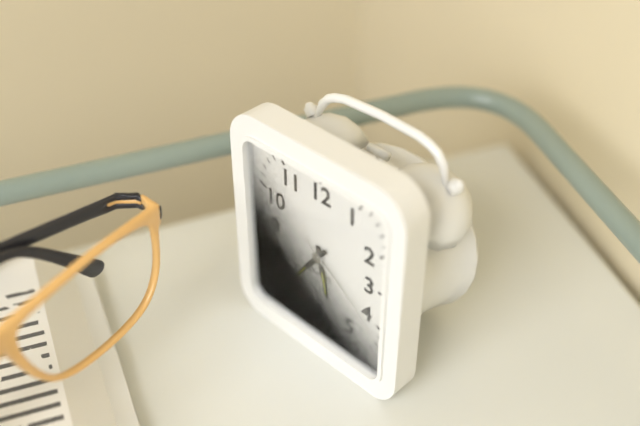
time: **5:36:21**
